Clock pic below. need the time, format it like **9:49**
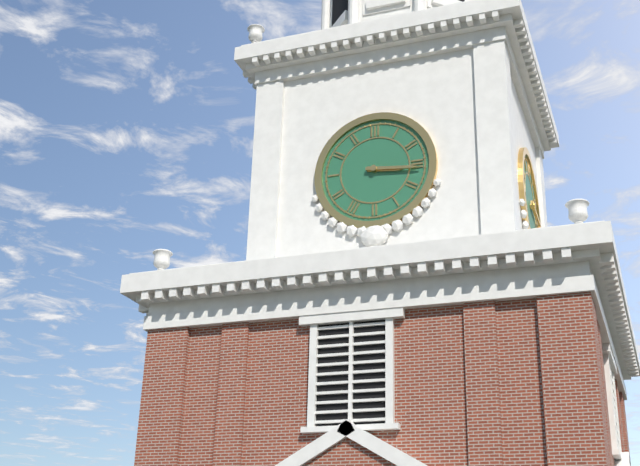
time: **3:16**
